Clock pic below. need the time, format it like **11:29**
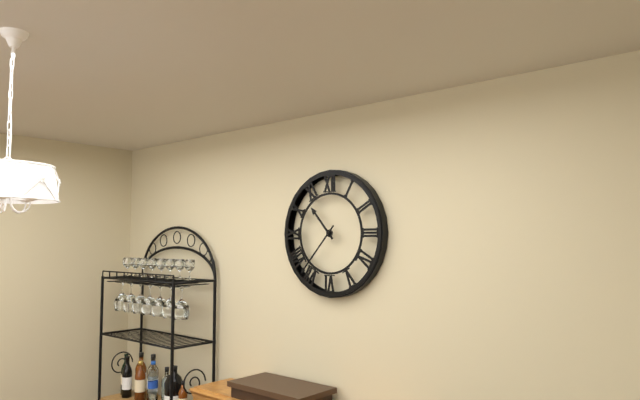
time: **10:37**
